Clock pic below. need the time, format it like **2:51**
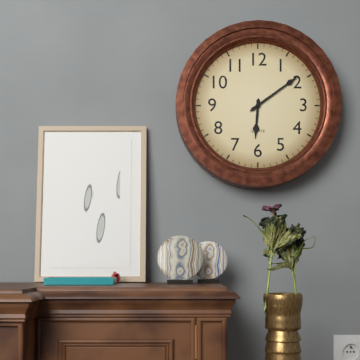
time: **6:09**
